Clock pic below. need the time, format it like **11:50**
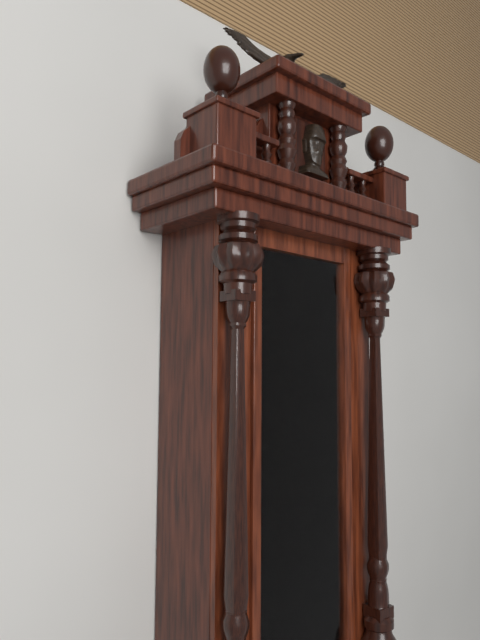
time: **5:23**
